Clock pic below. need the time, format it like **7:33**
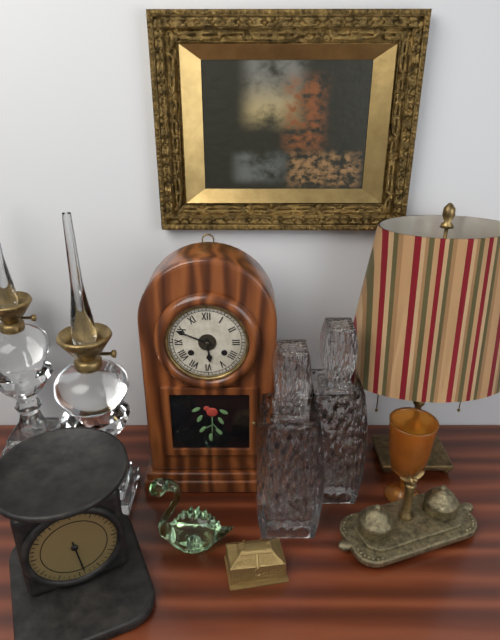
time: **5:49**
